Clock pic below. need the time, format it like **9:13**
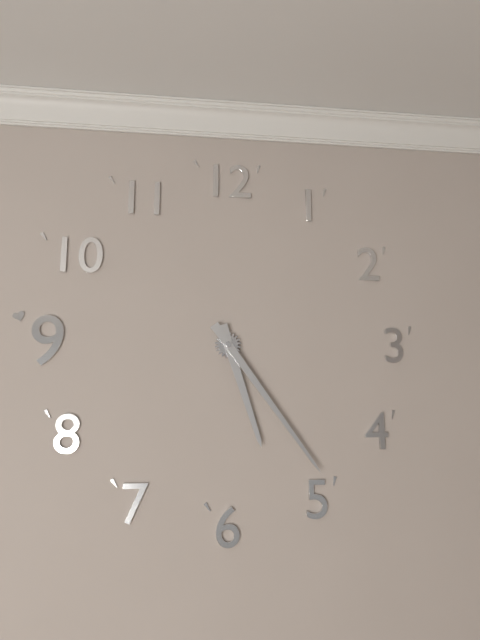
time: **5:24**
